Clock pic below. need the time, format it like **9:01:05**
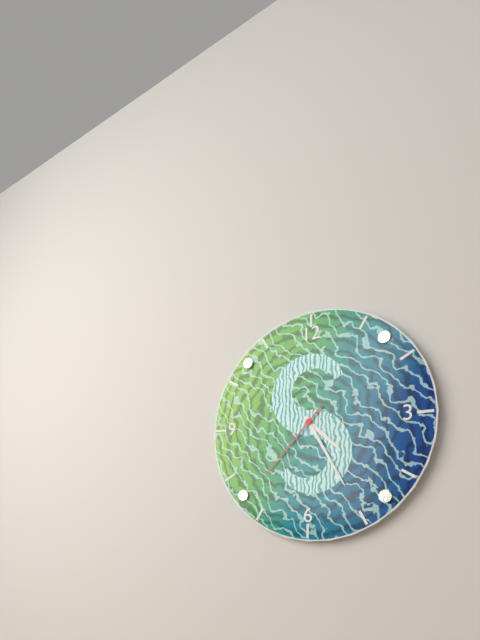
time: **4:25:37**
